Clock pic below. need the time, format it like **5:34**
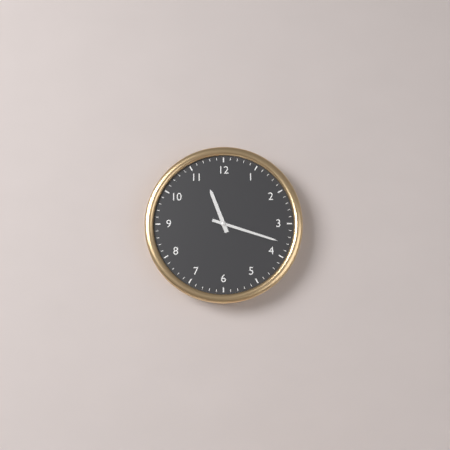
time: **11:18**
